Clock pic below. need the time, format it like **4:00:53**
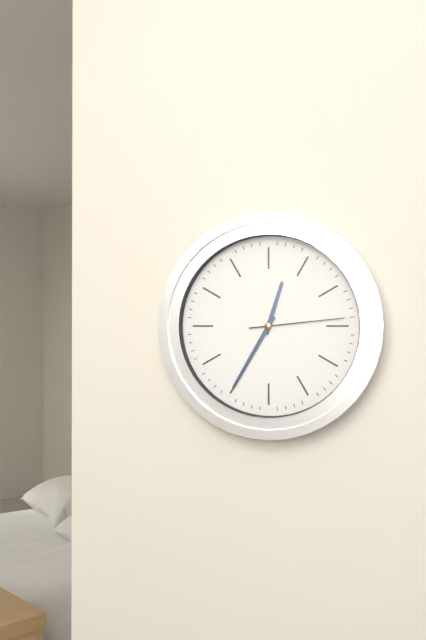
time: **12:35:14**
